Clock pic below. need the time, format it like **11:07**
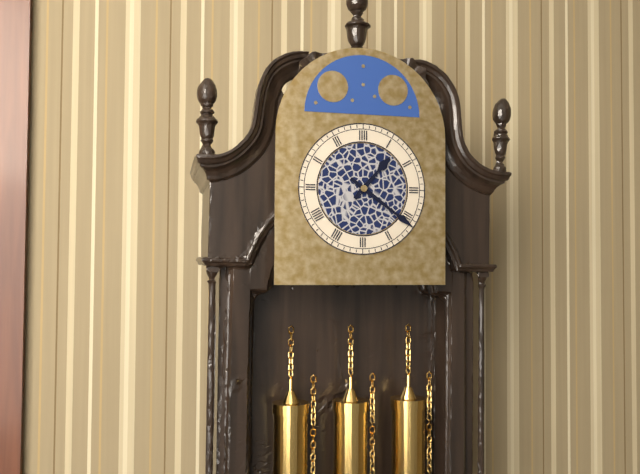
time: **1:21**
